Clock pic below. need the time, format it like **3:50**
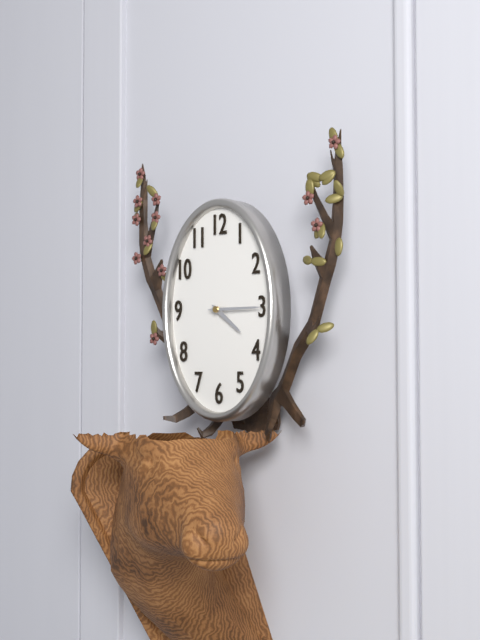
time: **4:15**
